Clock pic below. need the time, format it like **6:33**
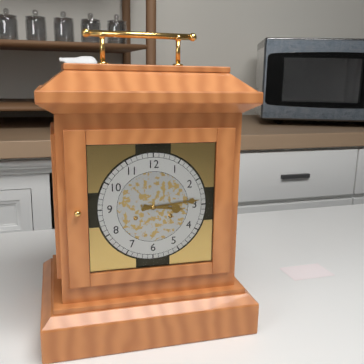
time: **3:14**
